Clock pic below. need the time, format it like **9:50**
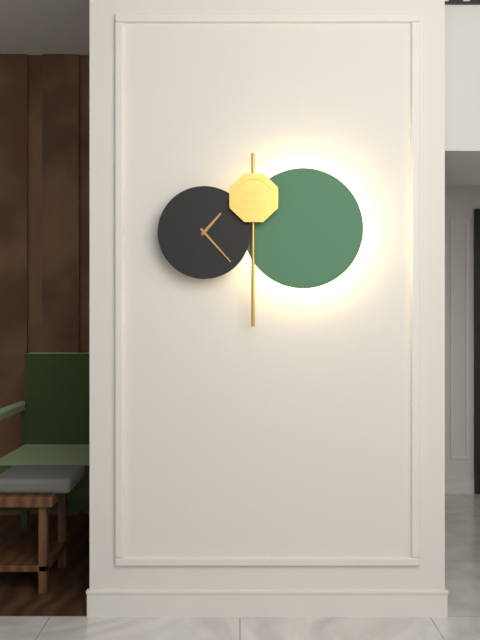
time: **1:23**
